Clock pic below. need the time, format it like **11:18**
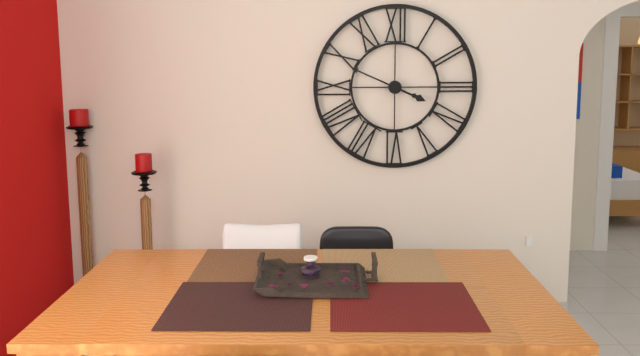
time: **3:49**
